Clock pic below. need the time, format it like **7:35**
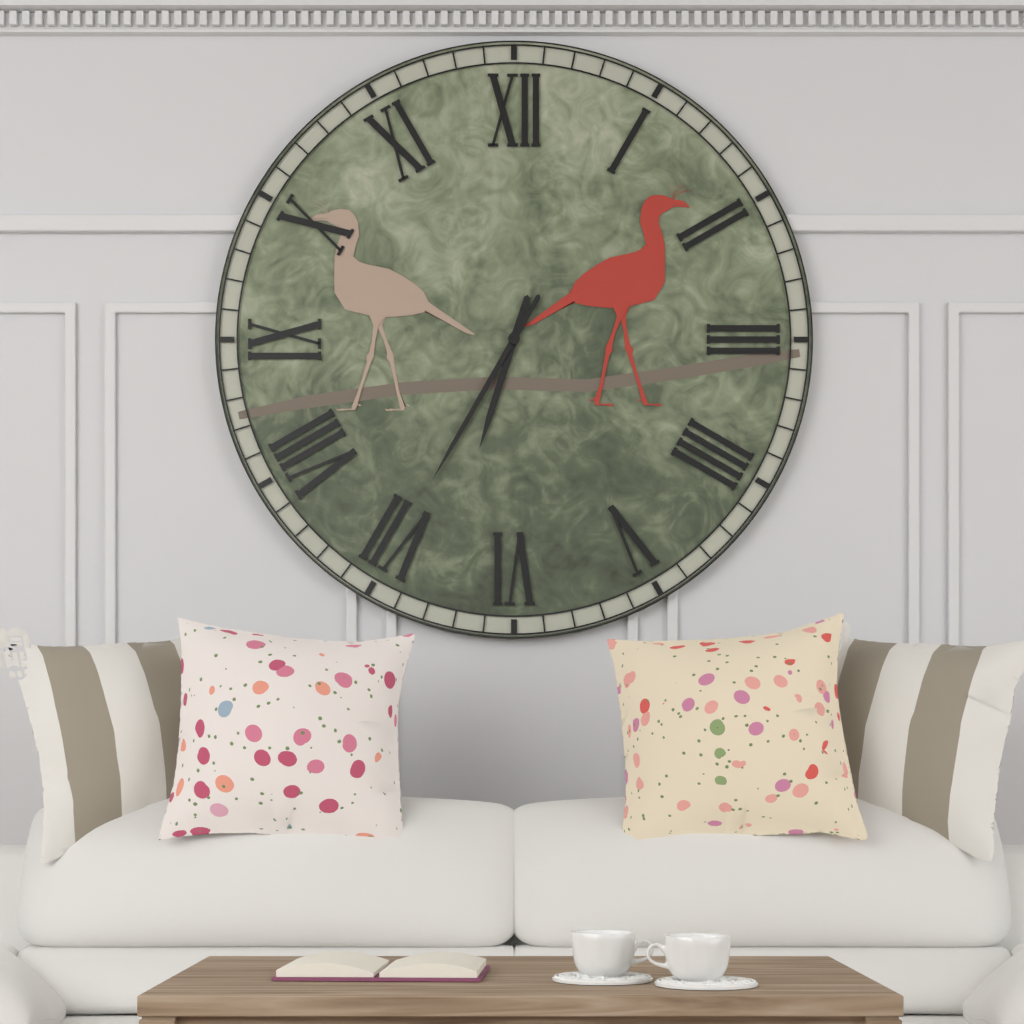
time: **6:35**
